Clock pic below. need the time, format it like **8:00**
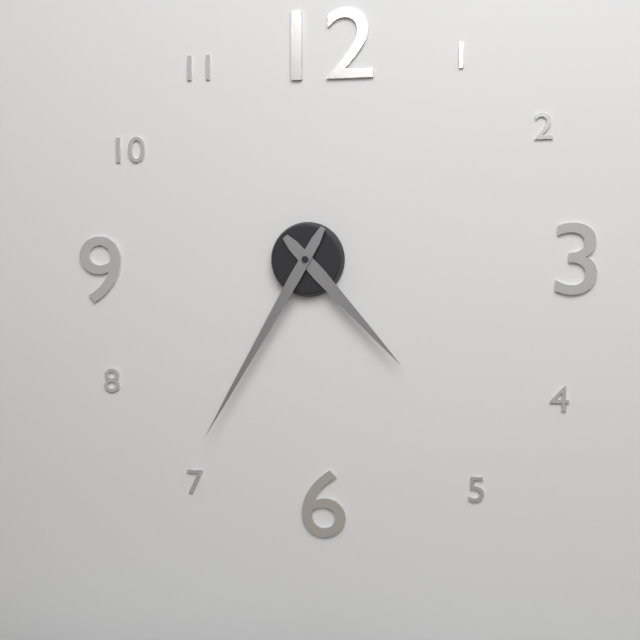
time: **4:35**
